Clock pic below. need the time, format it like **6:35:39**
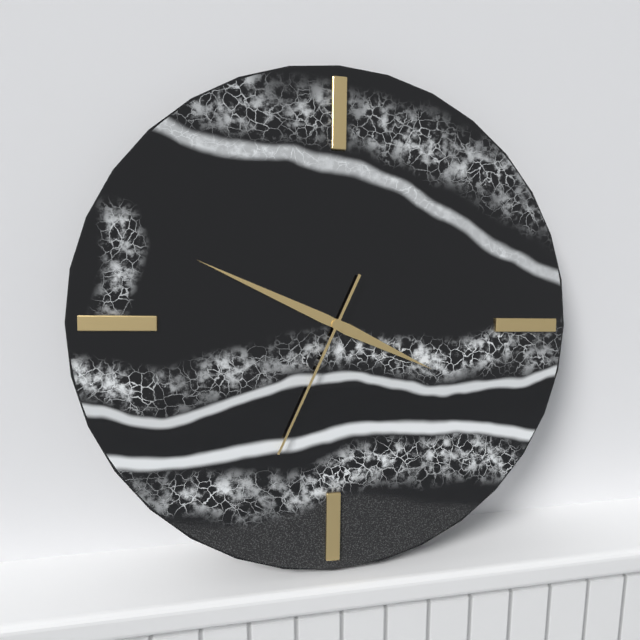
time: **3:49:34**
